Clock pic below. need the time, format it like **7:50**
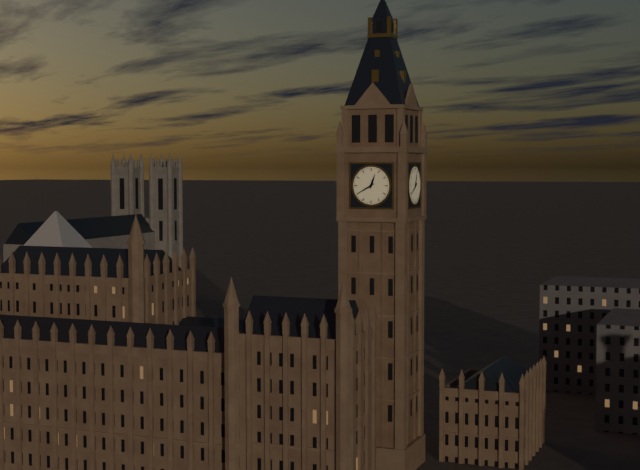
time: **12:40**
